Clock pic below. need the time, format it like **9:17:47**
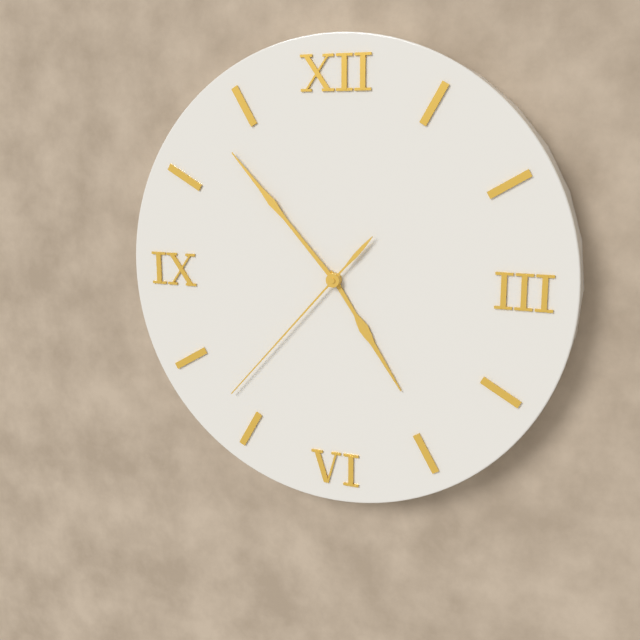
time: **4:53:37**
